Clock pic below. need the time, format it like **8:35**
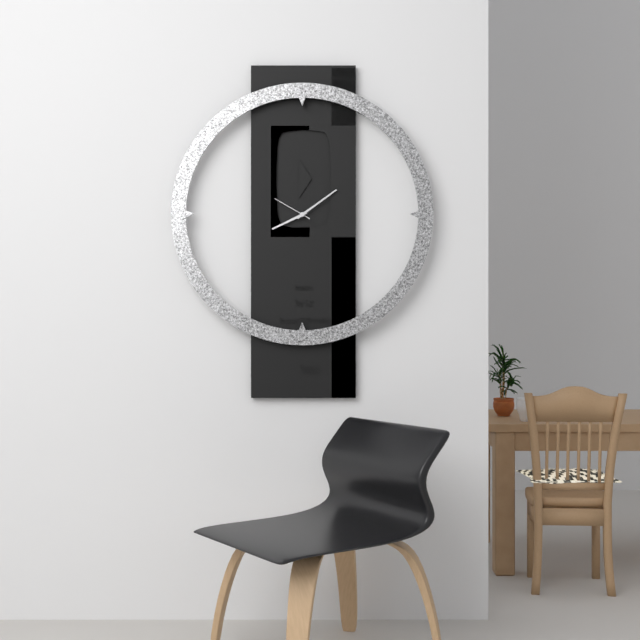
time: **8:09**
